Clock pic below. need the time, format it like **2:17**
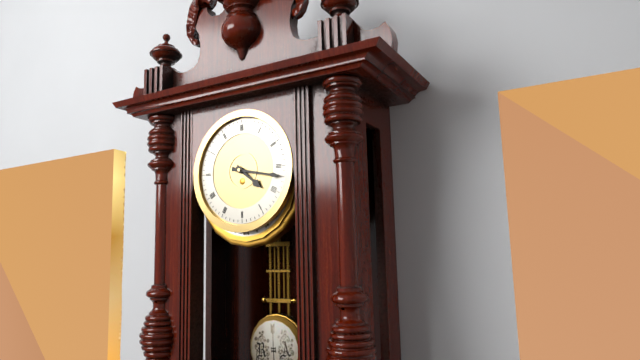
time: **4:17**
